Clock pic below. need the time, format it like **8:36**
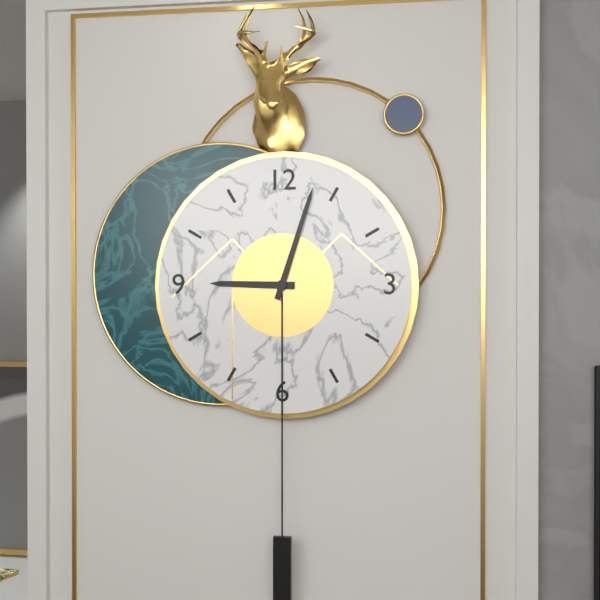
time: **9:03**
